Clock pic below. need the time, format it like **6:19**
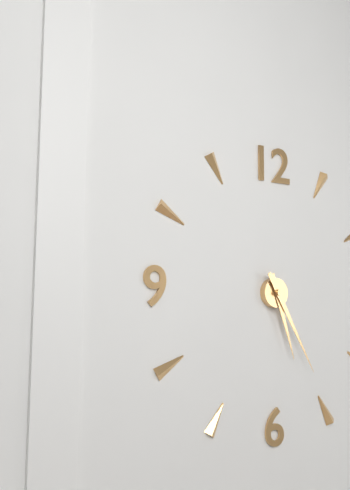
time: **5:25**
